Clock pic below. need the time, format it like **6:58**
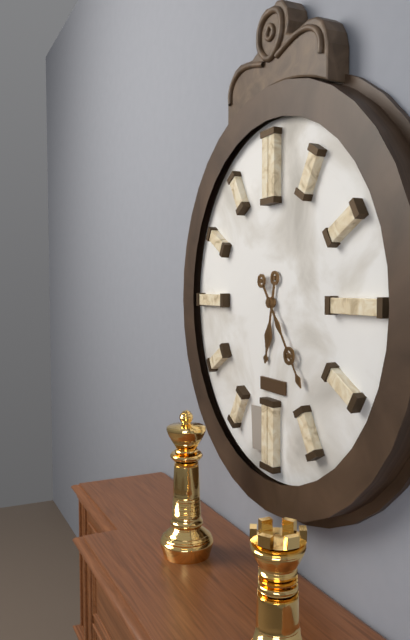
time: **6:24**
